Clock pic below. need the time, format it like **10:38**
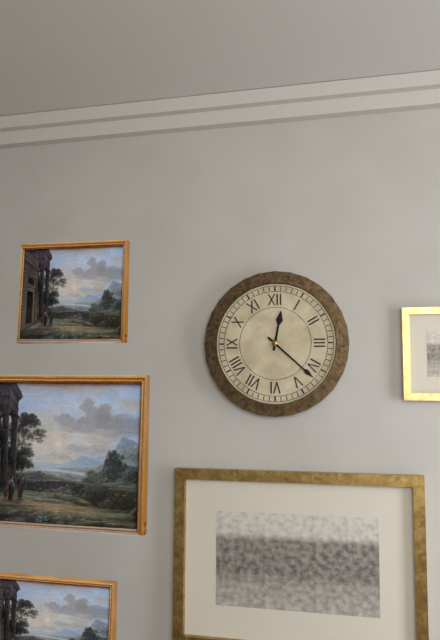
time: **12:22**
